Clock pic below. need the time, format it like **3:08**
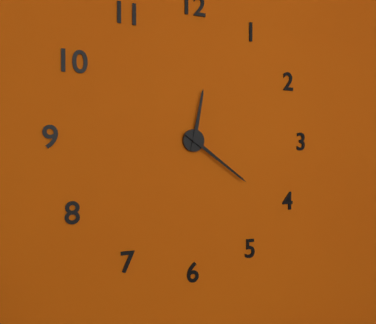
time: **12:21**
